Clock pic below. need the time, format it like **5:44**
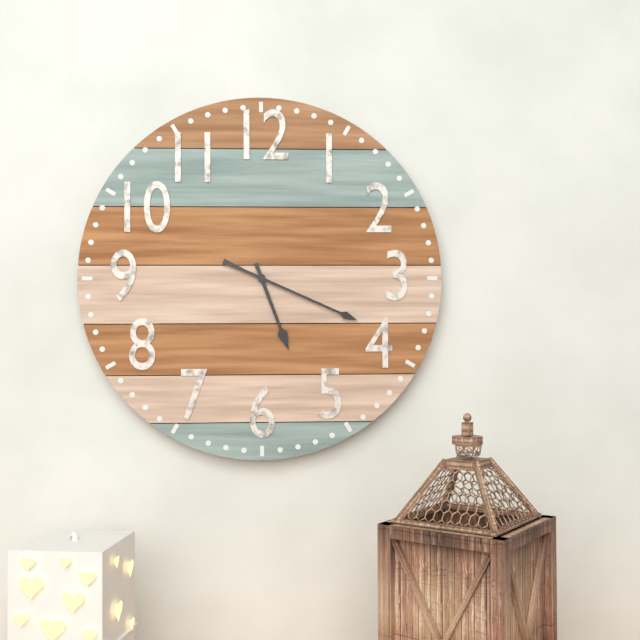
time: **5:19**
